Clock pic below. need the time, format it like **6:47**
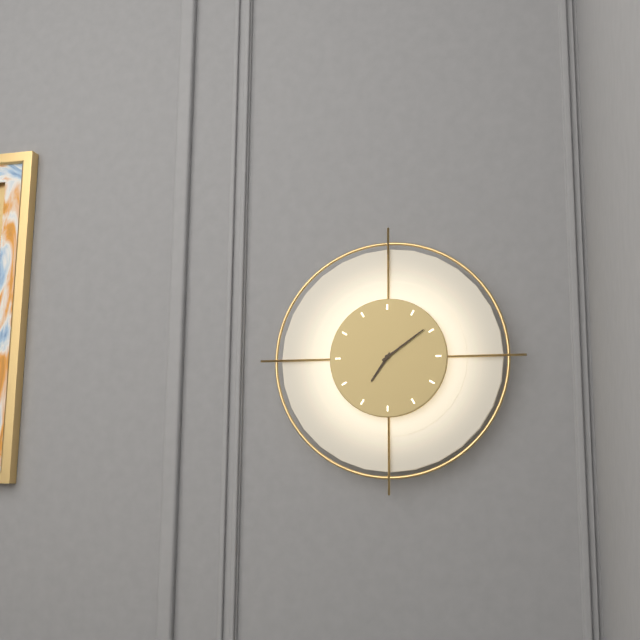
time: **7:09**
